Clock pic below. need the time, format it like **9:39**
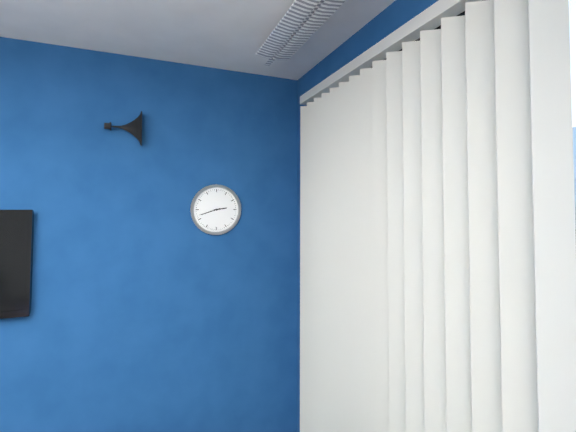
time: **2:42**
